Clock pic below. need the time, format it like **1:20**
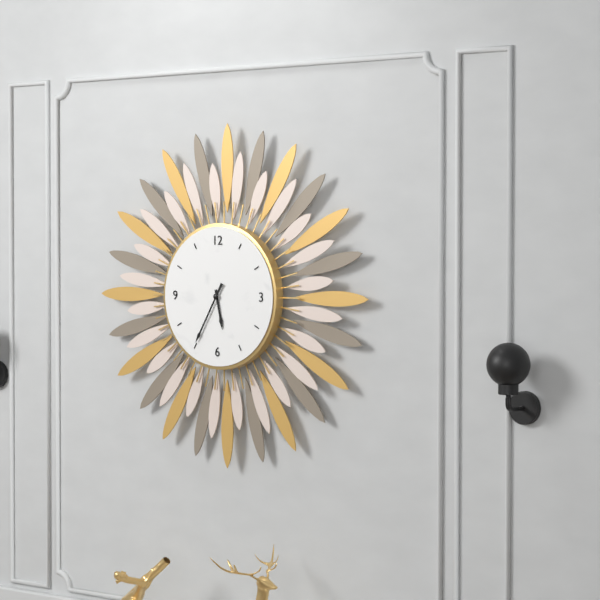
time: **5:35**
